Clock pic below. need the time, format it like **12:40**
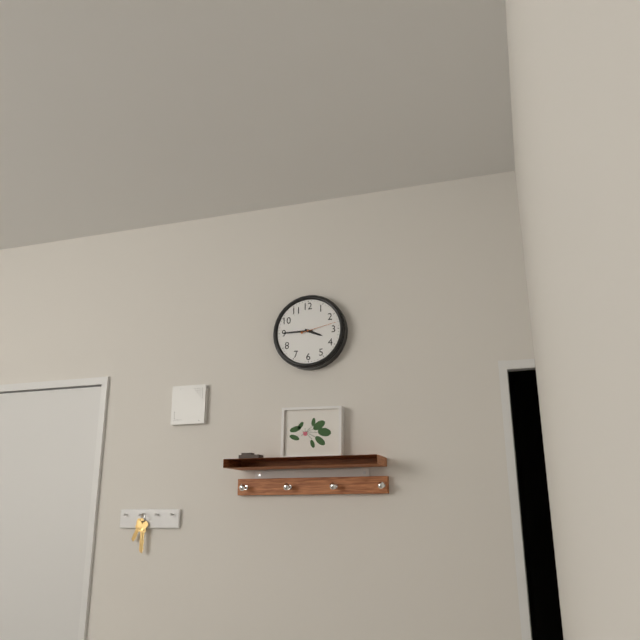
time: **3:45**
